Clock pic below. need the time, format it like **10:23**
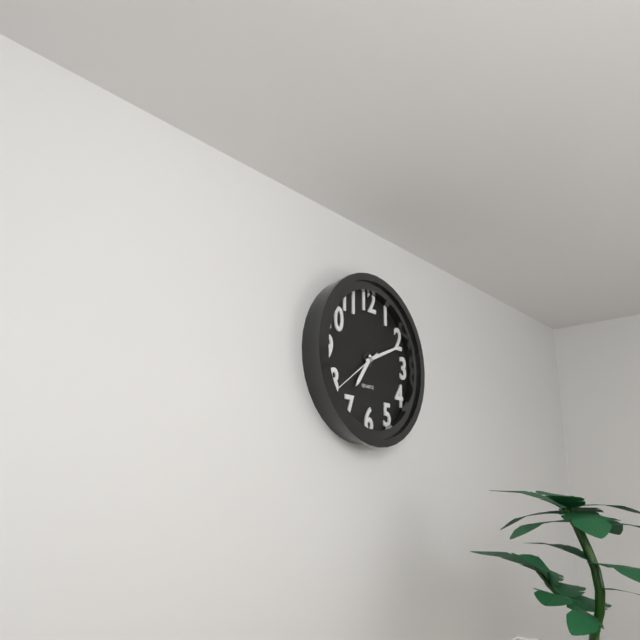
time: **7:11**
